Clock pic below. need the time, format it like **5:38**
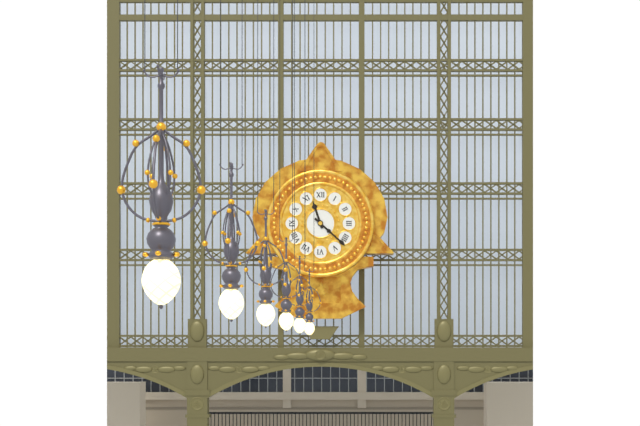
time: **11:22**
